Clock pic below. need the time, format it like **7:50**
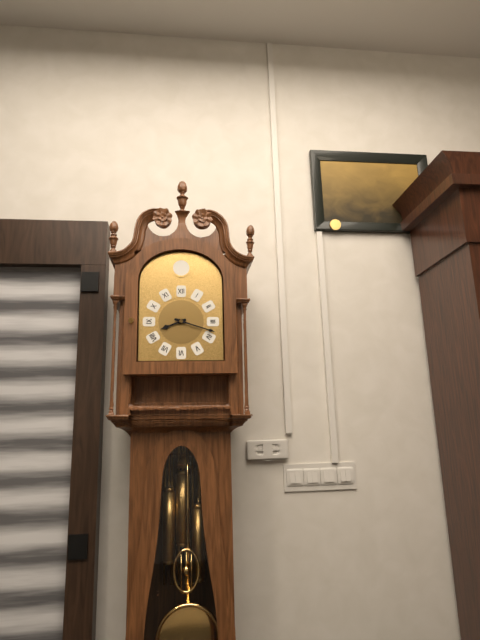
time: **8:18**
